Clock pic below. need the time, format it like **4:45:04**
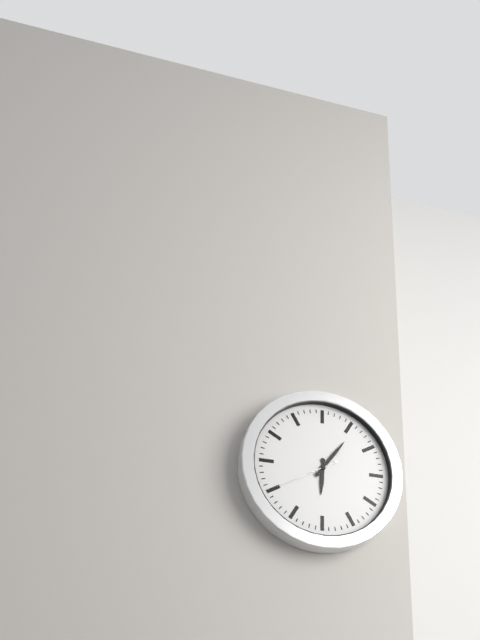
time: **6:06:40**
